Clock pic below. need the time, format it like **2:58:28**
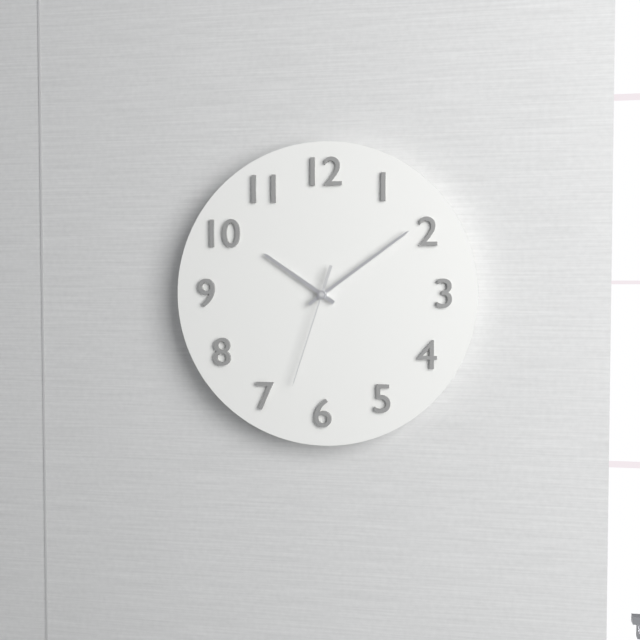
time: **10:09:33**
